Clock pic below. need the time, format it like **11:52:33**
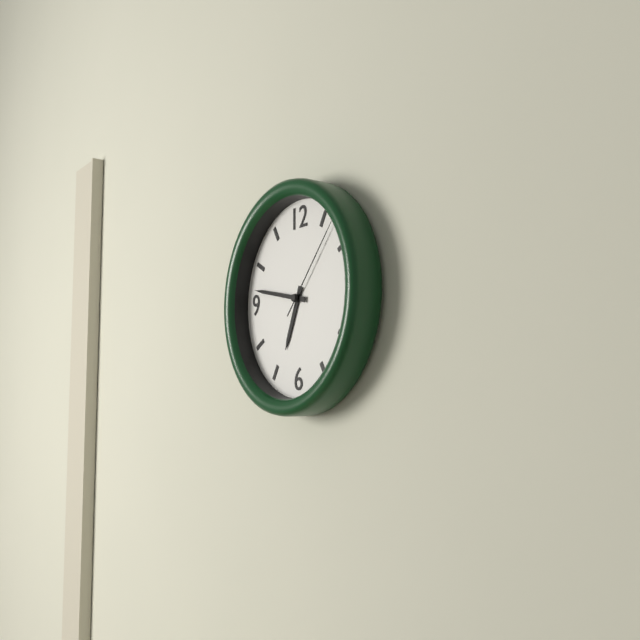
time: **6:47:07**
